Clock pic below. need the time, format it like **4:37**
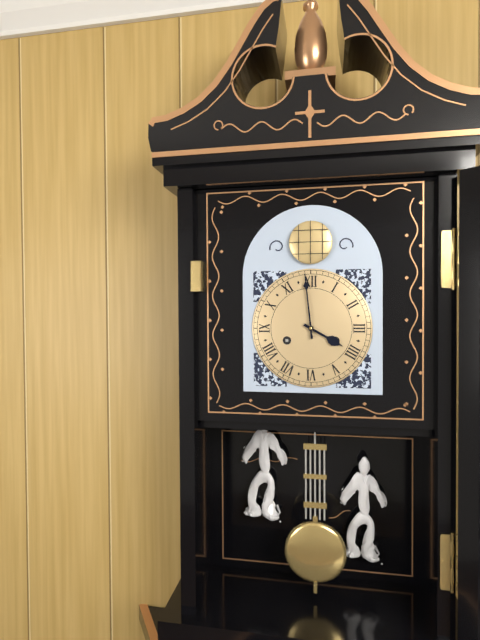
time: **3:59**
